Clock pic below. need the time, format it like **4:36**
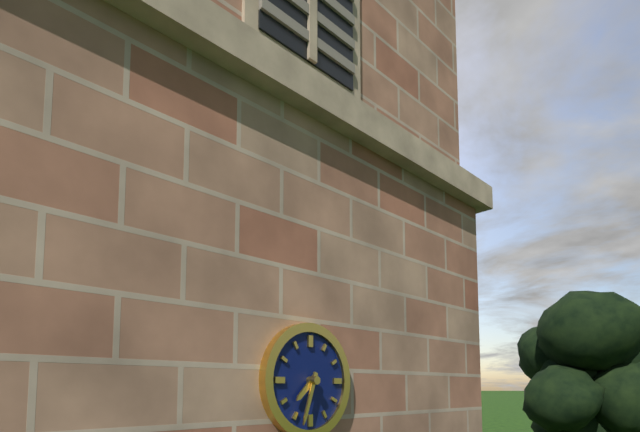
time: **7:33**
